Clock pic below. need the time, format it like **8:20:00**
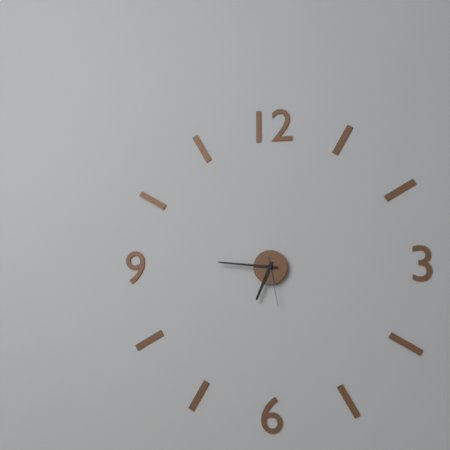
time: **6:46:28**
